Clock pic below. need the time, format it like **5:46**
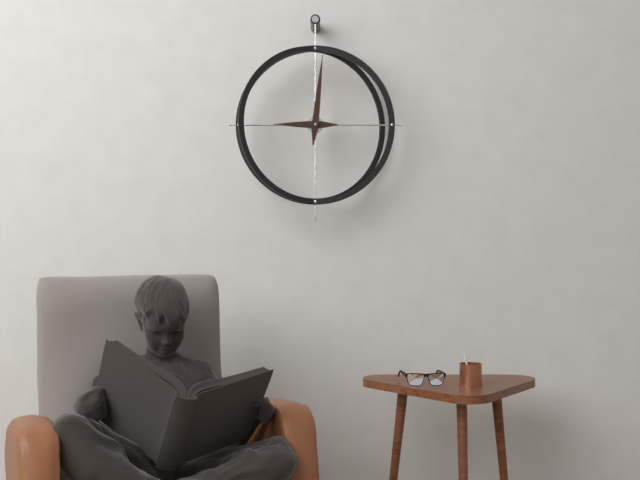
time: **9:01**
